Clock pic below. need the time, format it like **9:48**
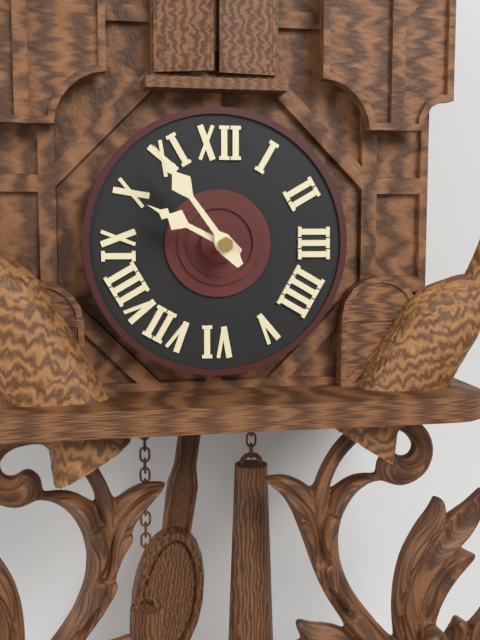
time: **9:54**
